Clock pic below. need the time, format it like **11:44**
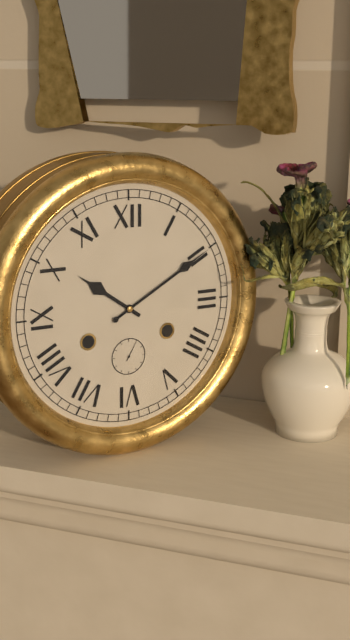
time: **10:10**
